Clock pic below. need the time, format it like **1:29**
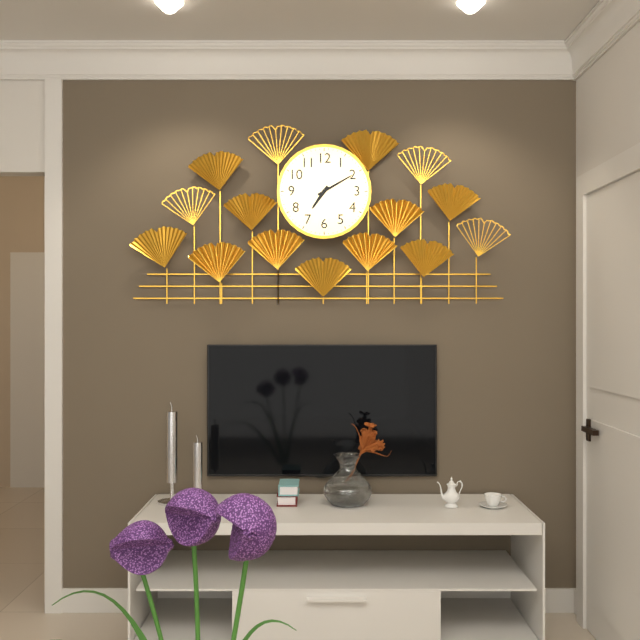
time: **7:10**
